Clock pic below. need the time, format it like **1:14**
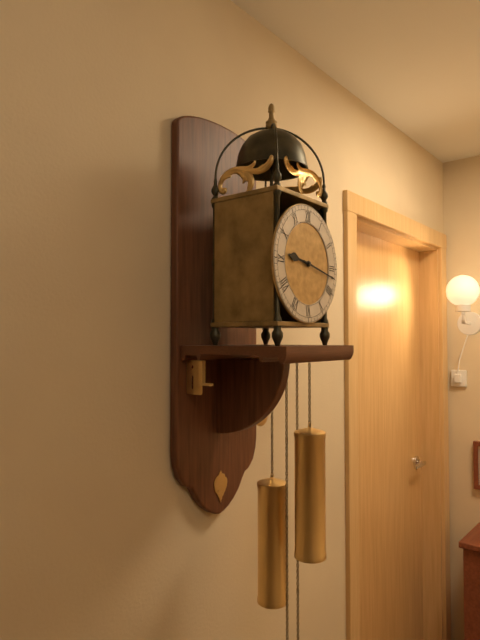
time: **9:17**
